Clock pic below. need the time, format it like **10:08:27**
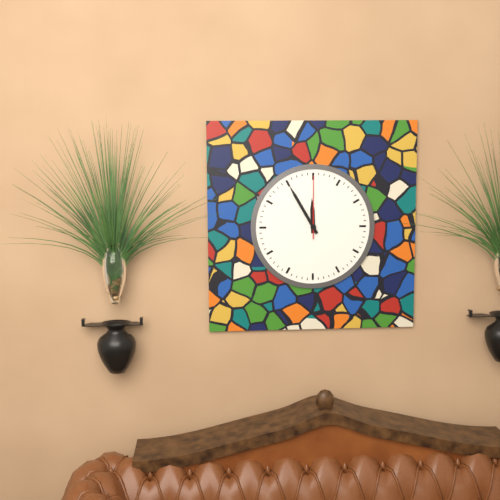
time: **11:55:00**
